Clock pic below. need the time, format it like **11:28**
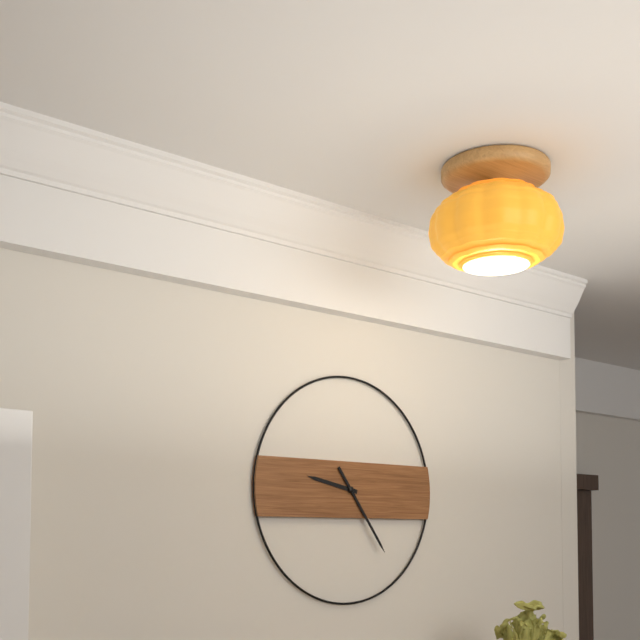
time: **9:24**
